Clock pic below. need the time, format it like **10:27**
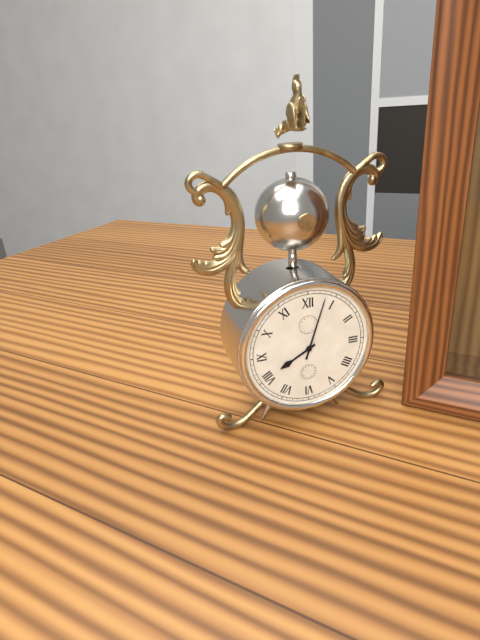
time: **8:03**
